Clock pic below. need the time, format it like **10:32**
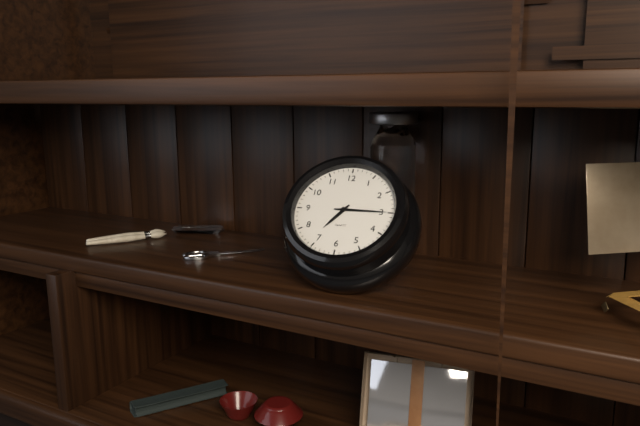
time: **7:15**
